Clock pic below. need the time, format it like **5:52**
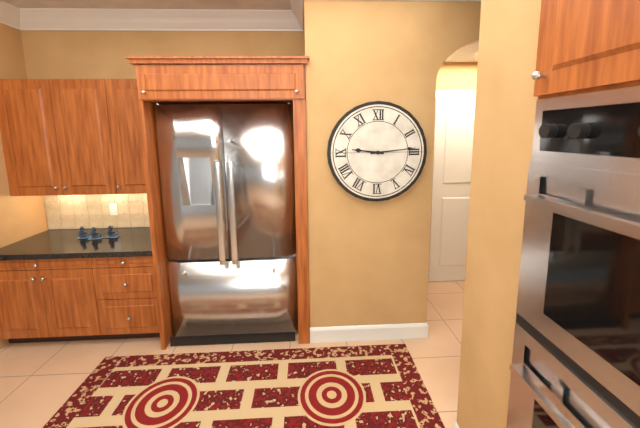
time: **9:14**
